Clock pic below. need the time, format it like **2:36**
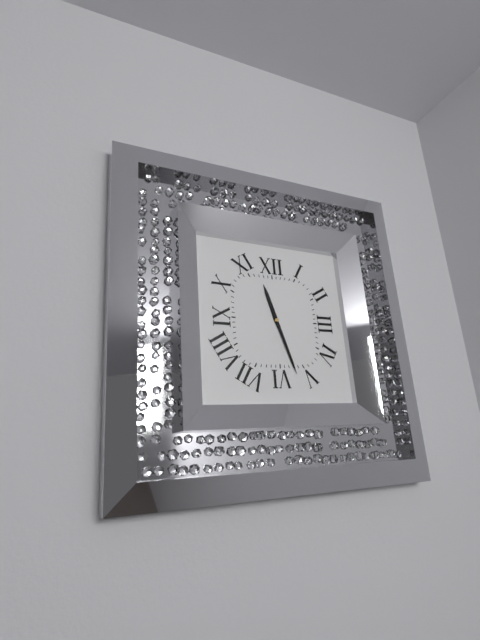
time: **11:27**
